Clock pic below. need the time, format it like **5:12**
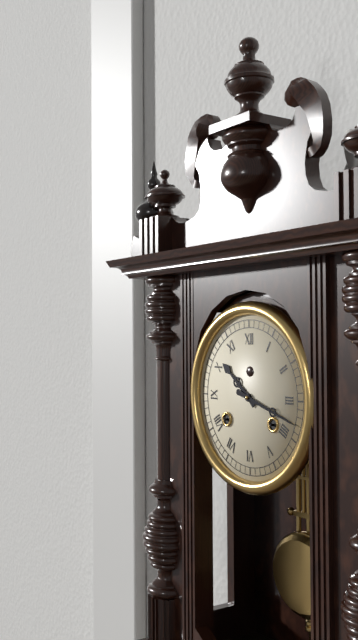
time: **10:18**
